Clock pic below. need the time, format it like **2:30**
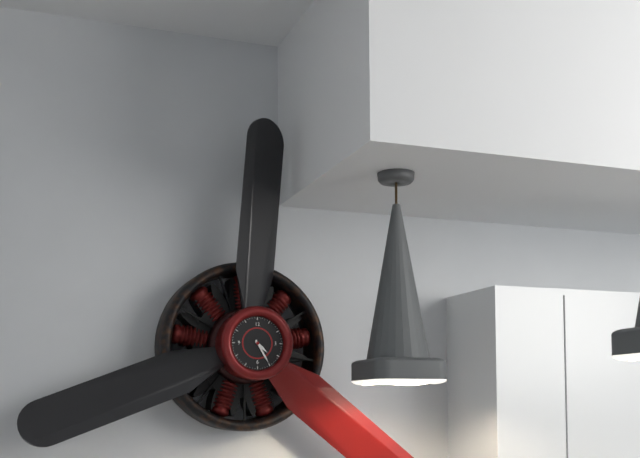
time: **4:25**
